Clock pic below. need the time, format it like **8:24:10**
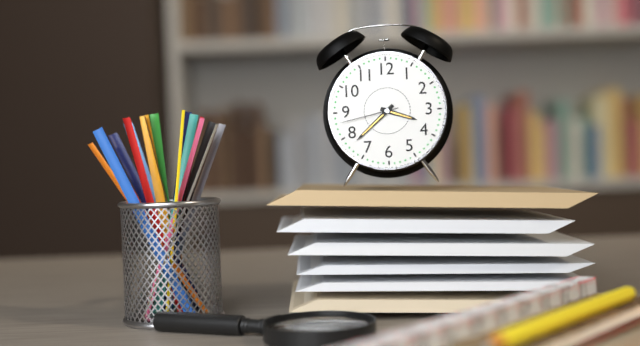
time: **3:38:43**
